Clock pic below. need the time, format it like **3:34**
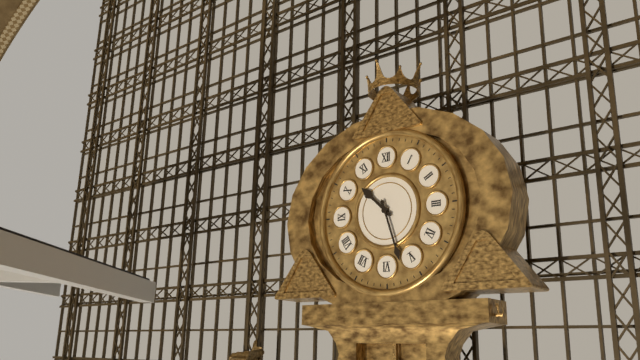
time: **10:27**
